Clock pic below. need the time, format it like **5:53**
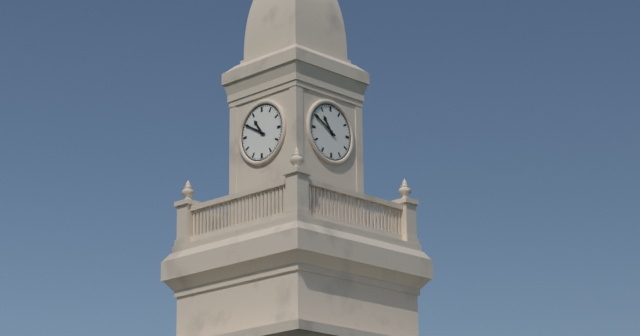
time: **10:50**
